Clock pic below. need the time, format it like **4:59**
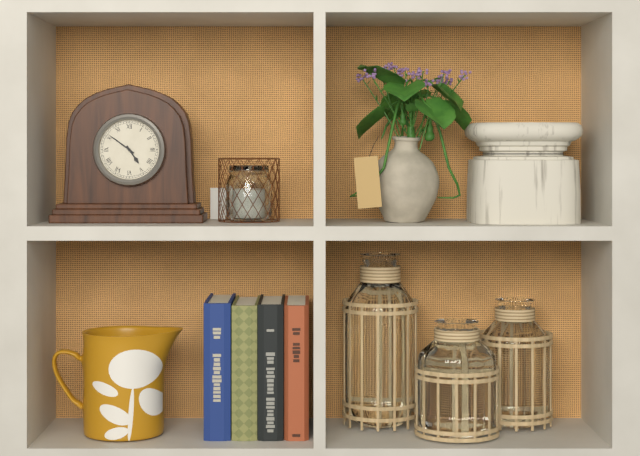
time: **4:51**
